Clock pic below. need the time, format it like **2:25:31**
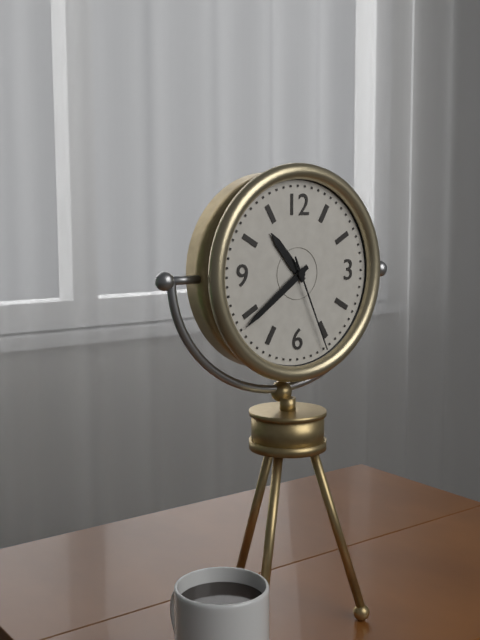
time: **10:39:26**
